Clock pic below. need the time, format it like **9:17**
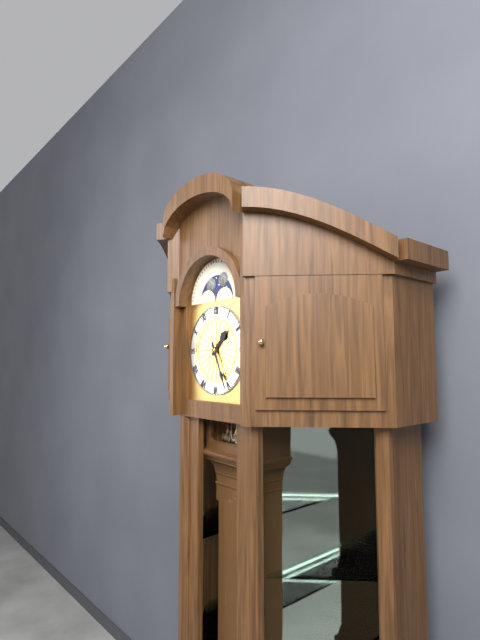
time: **1:26**
